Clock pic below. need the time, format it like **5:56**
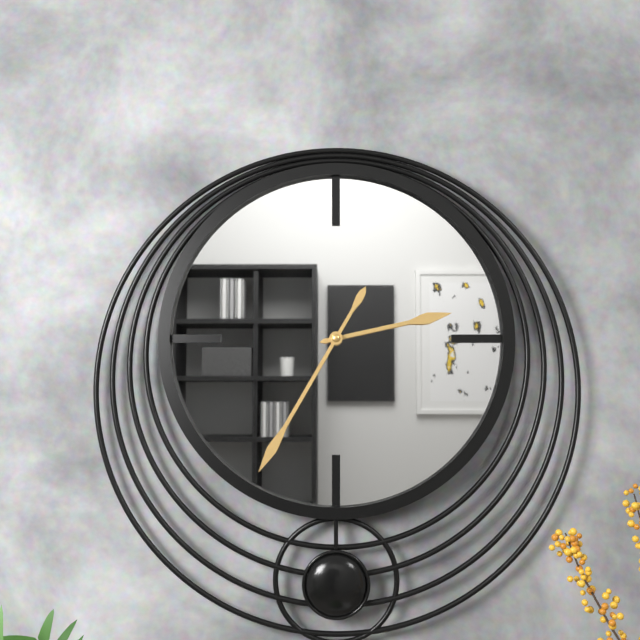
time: **2:35**
